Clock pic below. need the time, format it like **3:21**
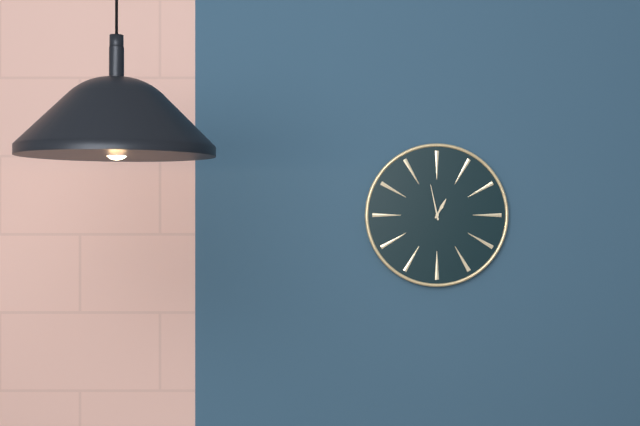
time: **12:58**
